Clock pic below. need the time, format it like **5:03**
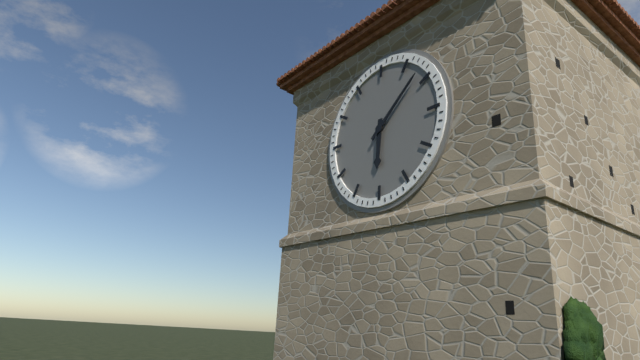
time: **6:08**
